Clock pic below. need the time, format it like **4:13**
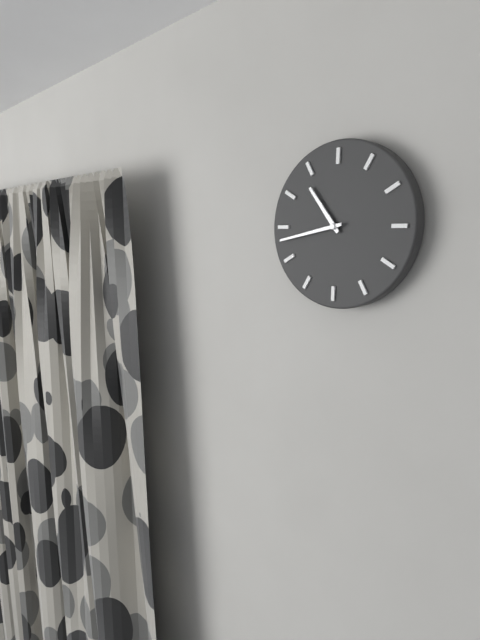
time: **10:43**
